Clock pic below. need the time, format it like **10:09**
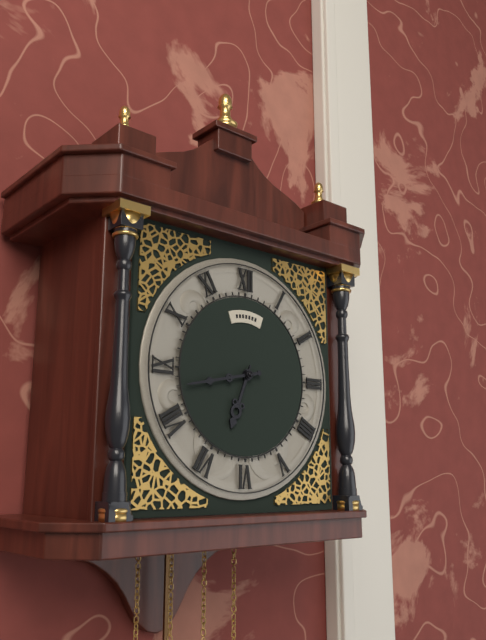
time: **6:43**
